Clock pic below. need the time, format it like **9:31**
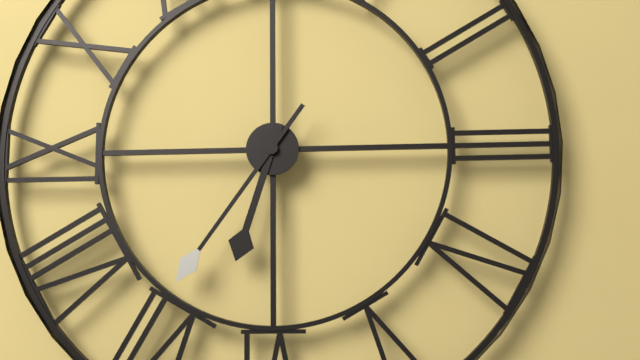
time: **6:36**
